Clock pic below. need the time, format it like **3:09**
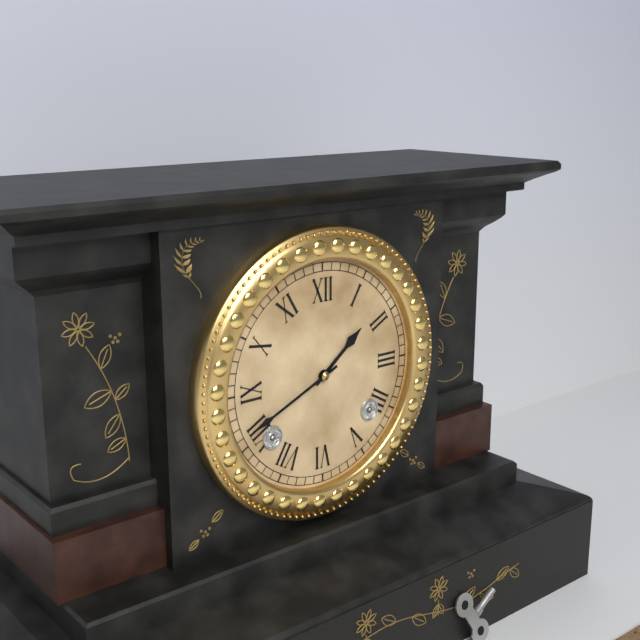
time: **1:41**
